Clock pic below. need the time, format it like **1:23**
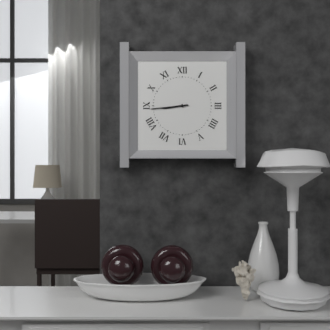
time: **8:44**
